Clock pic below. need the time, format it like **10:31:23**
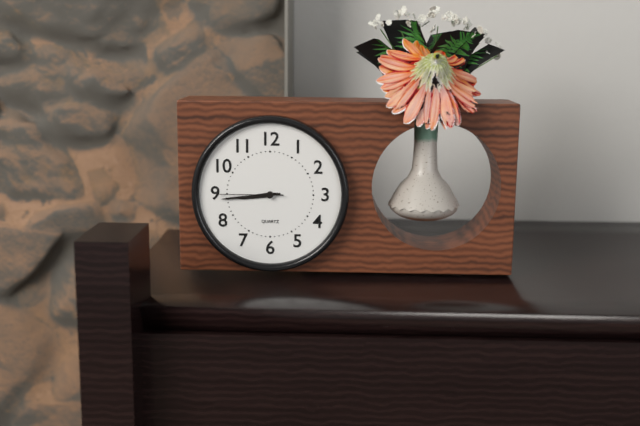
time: **8:44:45**
